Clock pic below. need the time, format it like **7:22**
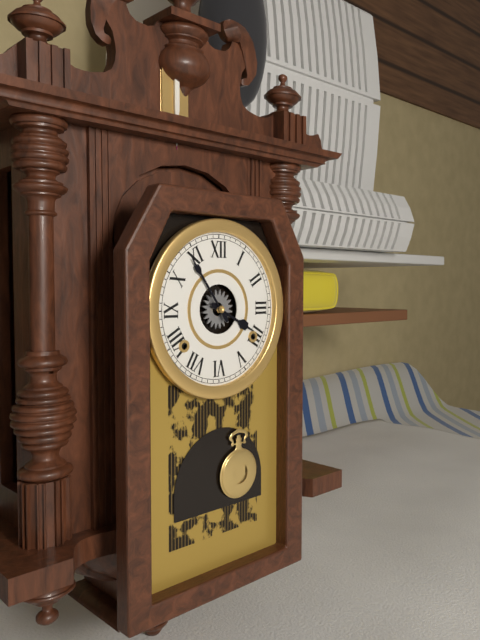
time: **3:54**
